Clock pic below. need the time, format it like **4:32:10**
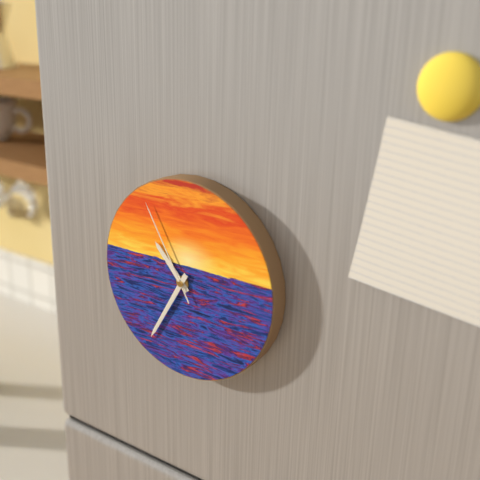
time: **10:35:55**
